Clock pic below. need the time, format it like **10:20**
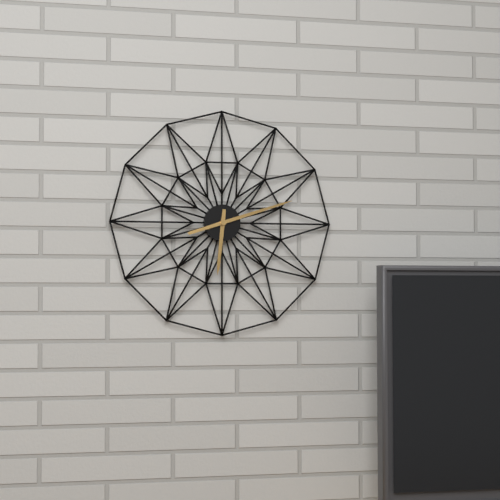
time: **6:12**
